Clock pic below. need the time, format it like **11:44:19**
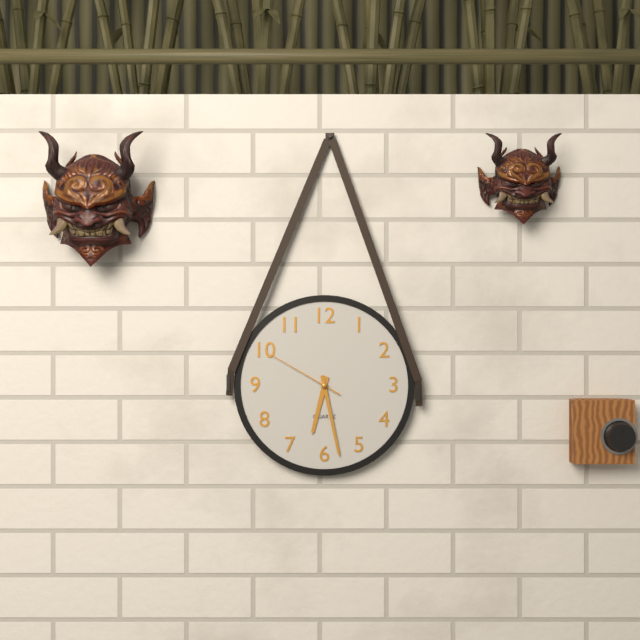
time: **6:28:50**
